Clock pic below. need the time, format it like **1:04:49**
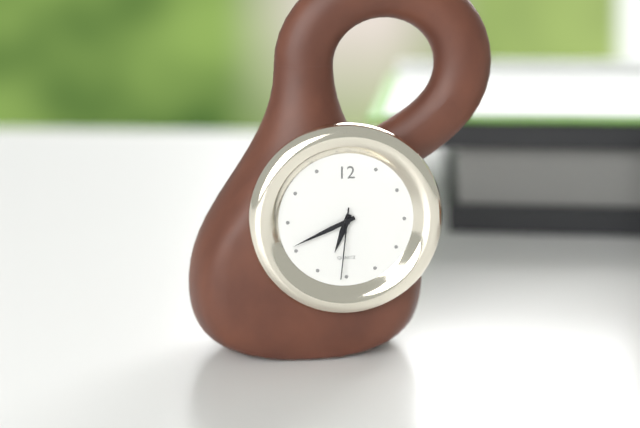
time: **6:41:31**
